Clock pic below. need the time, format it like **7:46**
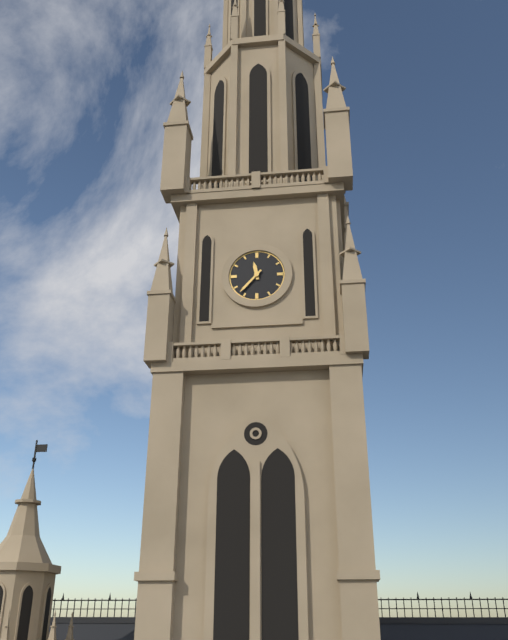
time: **11:37**
